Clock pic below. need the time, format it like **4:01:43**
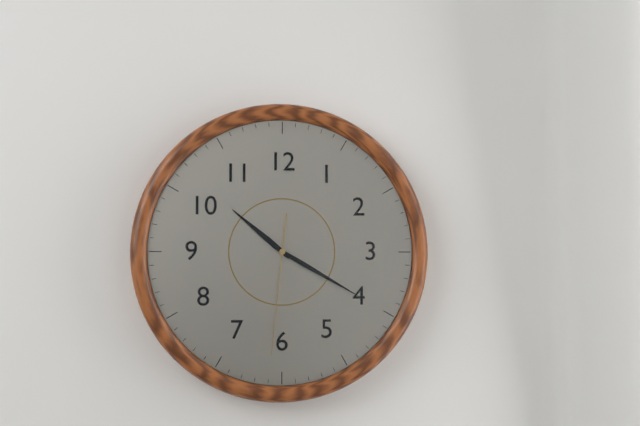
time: **10:20:31**
